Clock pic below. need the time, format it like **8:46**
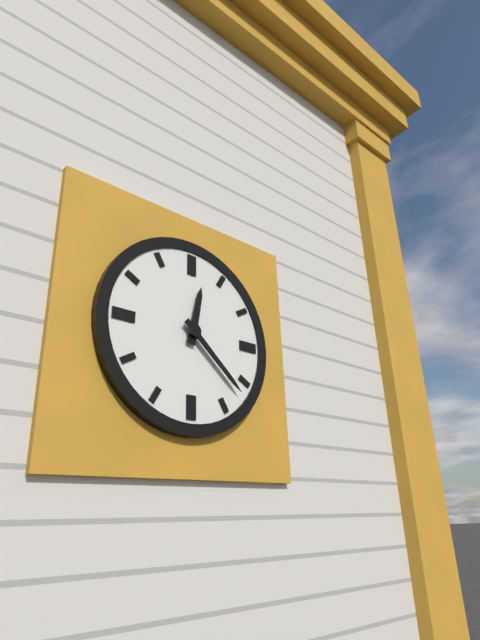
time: **12:22**
